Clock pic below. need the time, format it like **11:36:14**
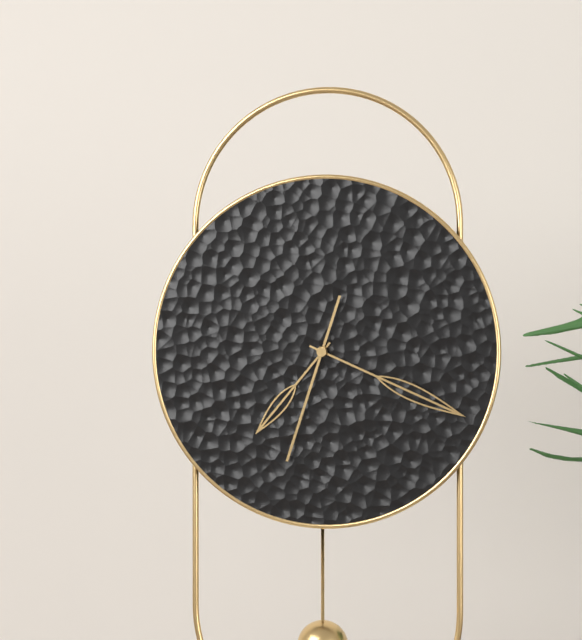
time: **7:19:33**
